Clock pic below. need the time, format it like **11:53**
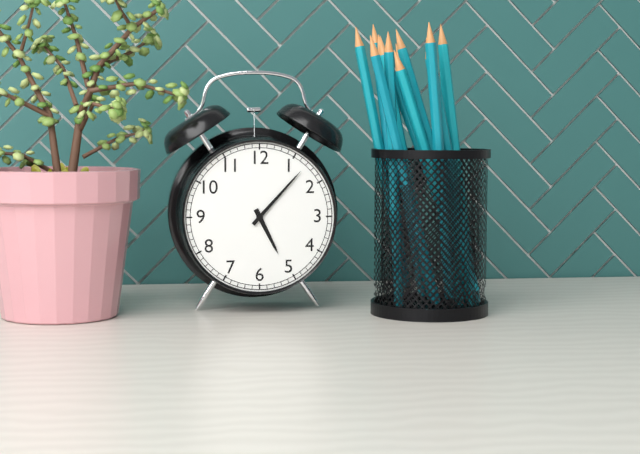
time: **5:07**
